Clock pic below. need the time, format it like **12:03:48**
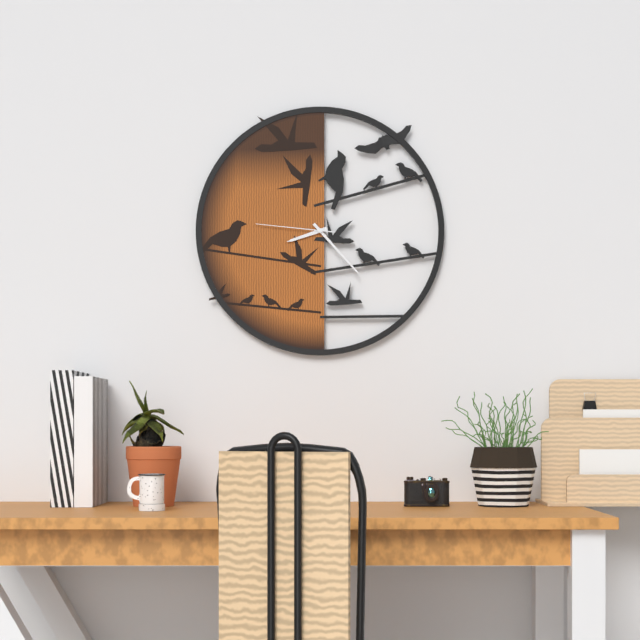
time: **8:23:46**
